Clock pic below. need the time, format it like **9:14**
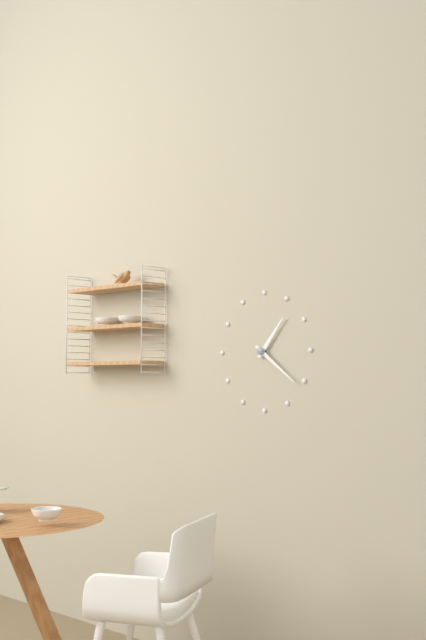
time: **1:21**
